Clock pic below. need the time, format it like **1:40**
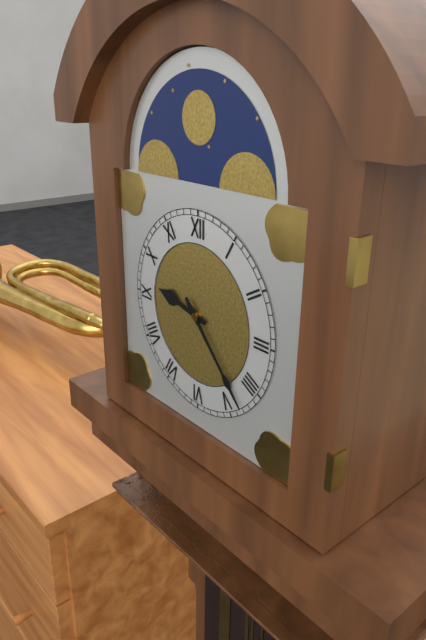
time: **9:23**
